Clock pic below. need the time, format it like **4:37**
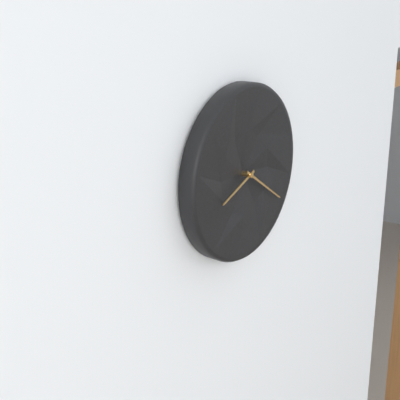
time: **8:21**
